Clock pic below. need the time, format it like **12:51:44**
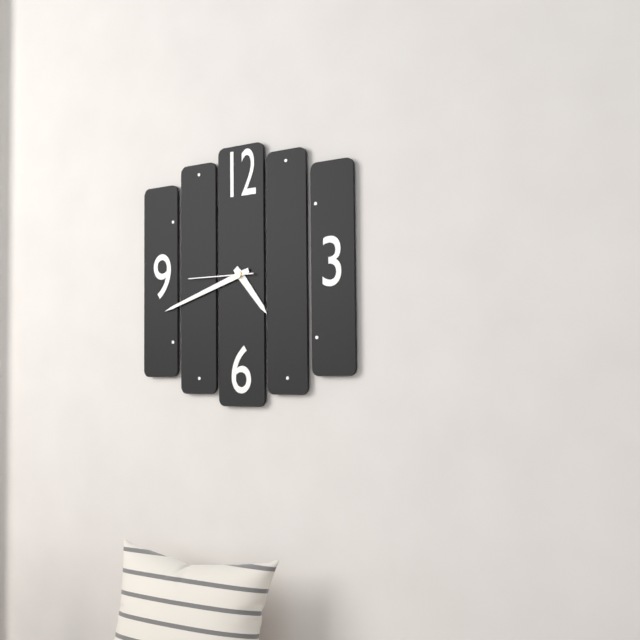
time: **4:42:45**
